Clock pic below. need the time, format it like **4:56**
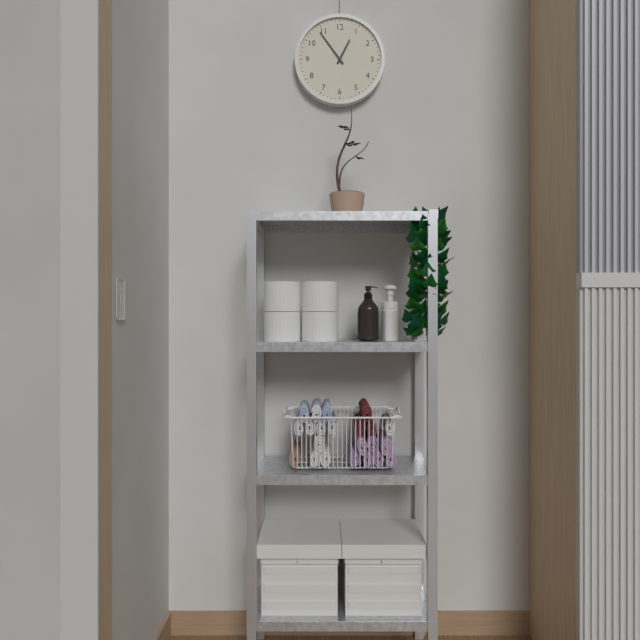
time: **12:54**
